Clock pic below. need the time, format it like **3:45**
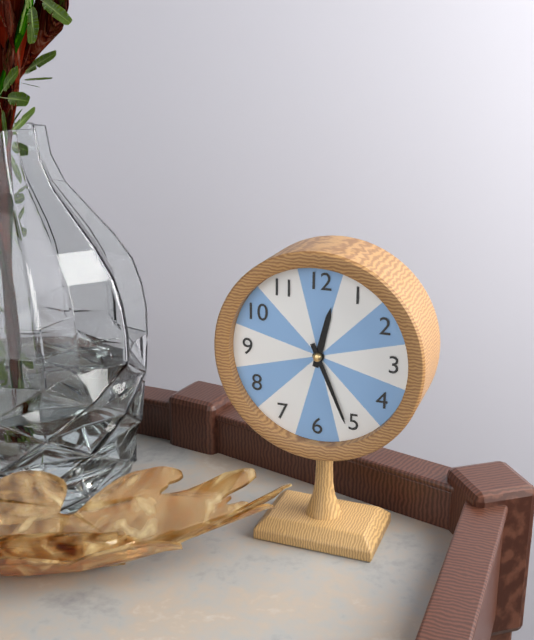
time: **12:26**
